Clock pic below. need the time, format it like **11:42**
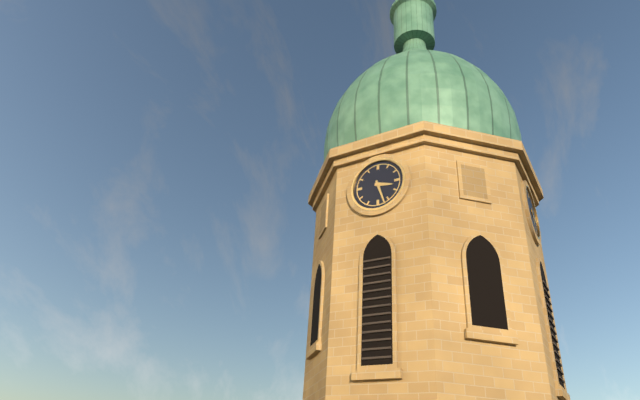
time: **3:27**
